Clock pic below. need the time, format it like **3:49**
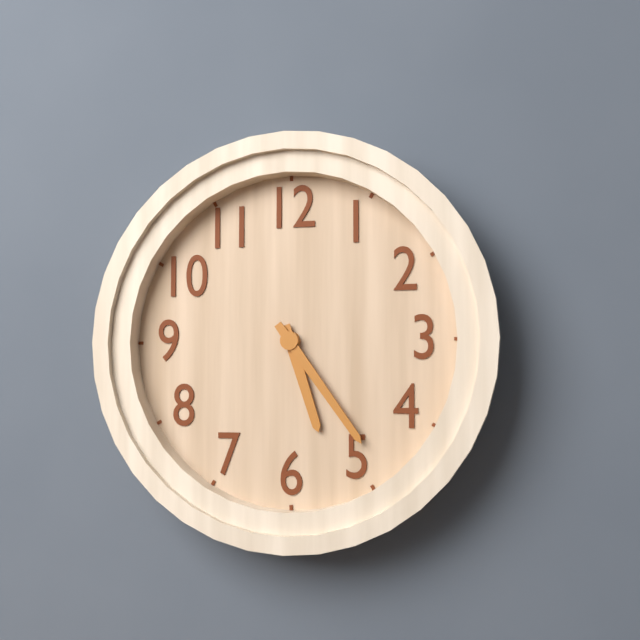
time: **5:24**
